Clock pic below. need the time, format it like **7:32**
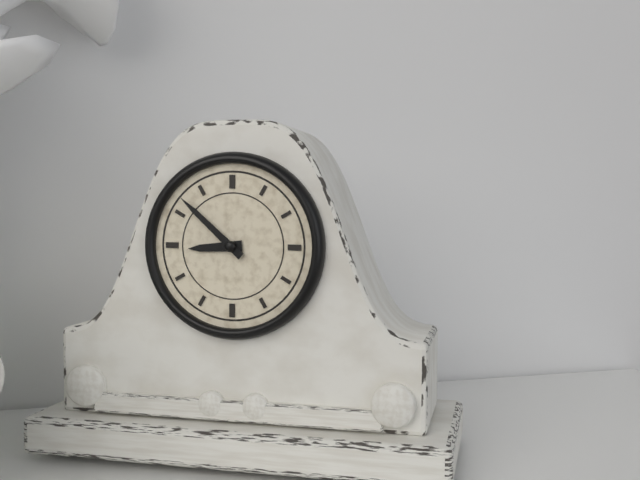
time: **8:52**
